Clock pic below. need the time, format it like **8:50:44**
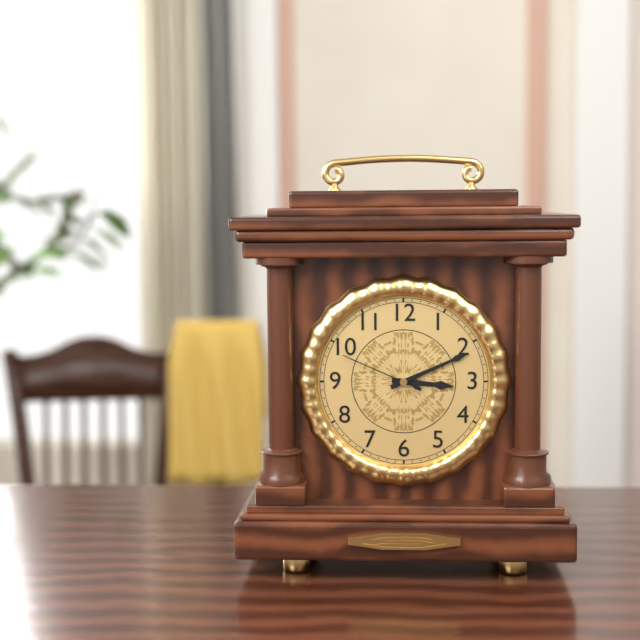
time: **3:11:49**
